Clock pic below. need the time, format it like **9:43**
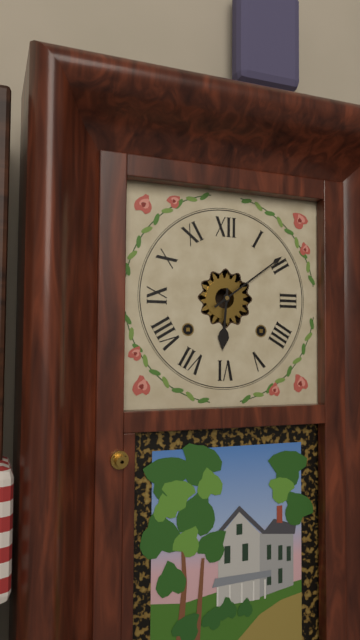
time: **6:09**
